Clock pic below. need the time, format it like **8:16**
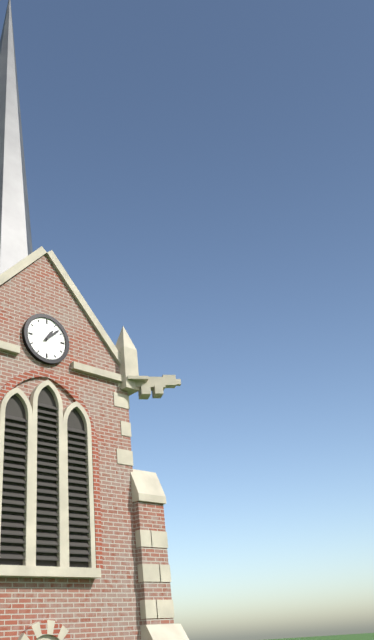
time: **1:08**
